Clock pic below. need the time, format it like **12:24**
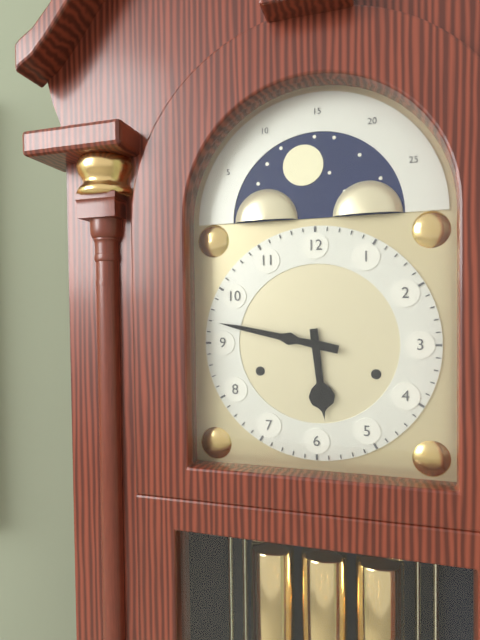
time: **5:47**
